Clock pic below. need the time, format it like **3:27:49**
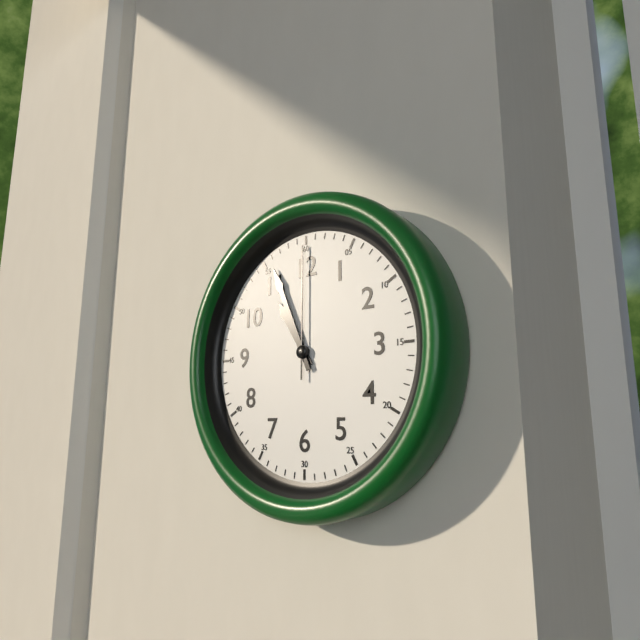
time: **10:56:00**
